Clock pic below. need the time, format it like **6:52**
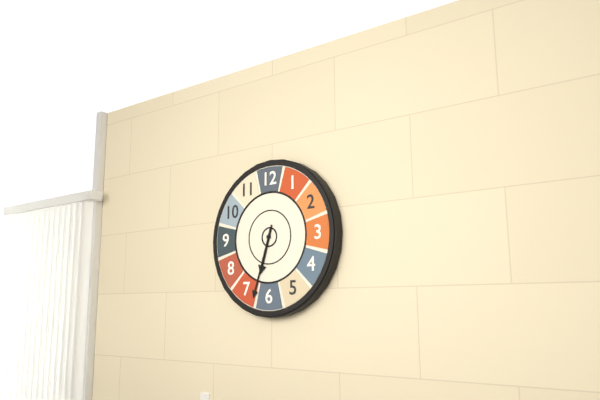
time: **6:33**
